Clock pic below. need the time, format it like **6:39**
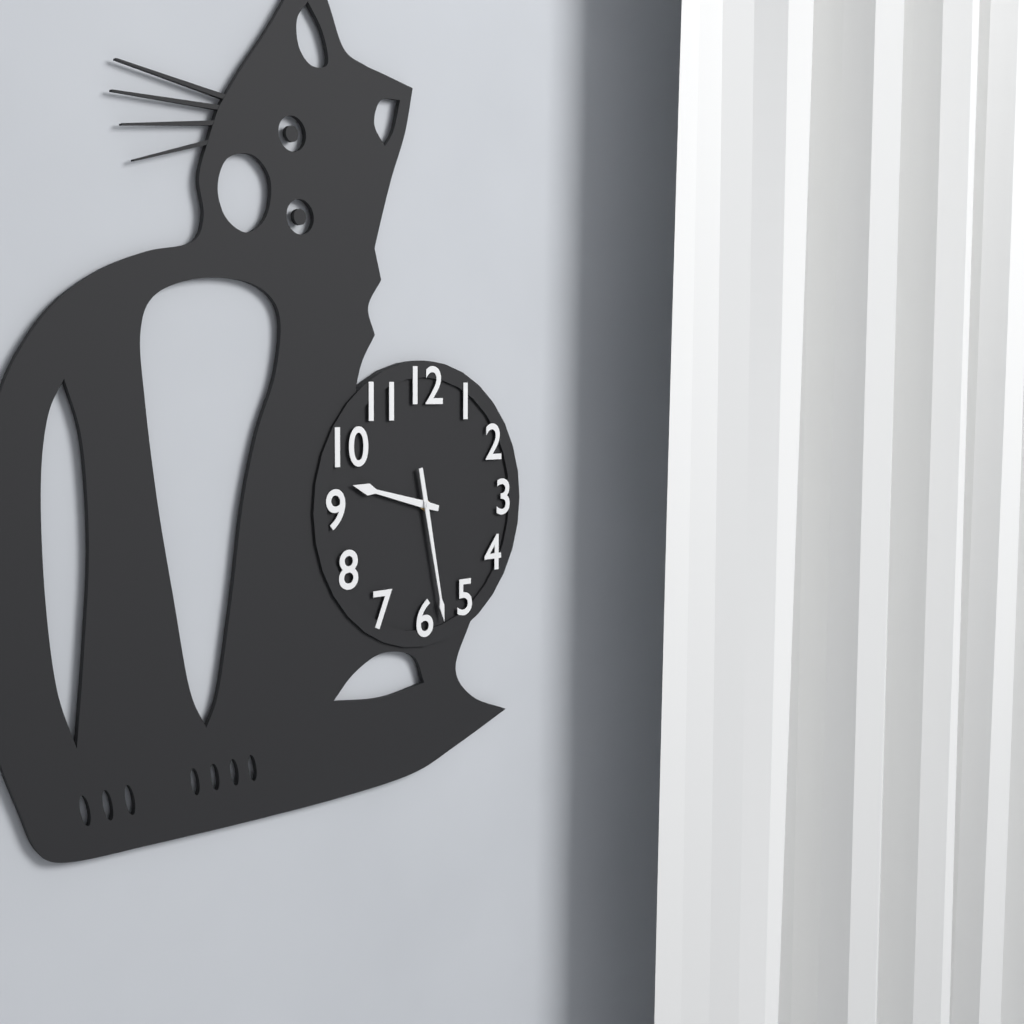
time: **9:28**
